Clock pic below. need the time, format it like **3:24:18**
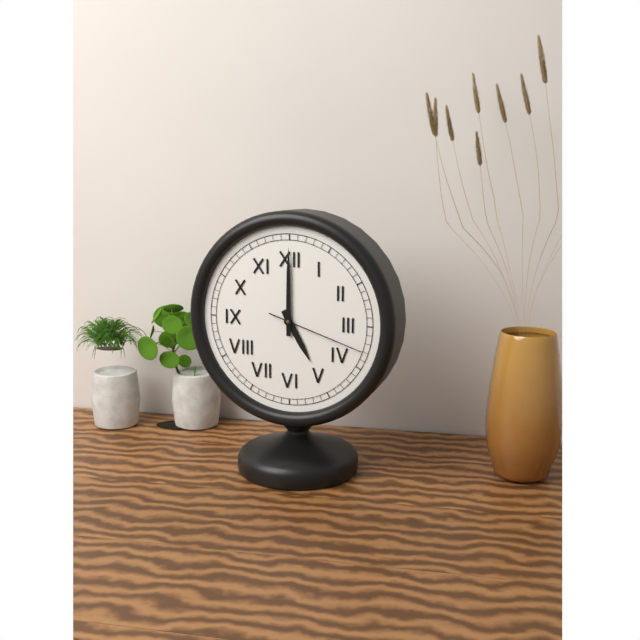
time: **5:00:18**
